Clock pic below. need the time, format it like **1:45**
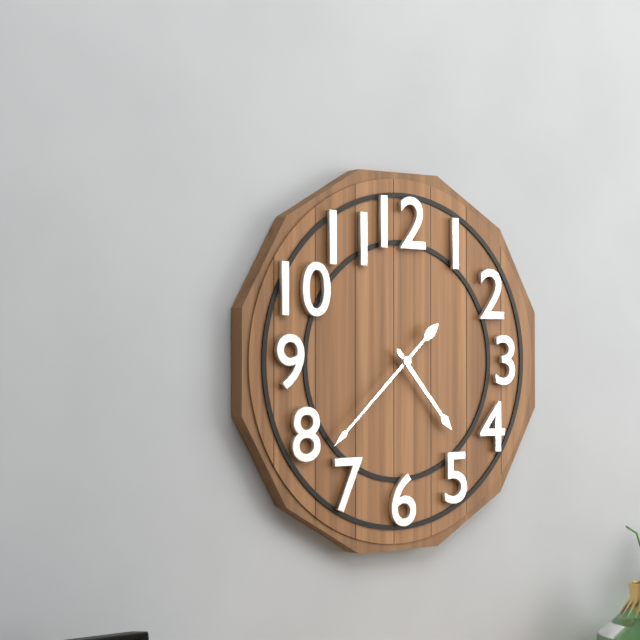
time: **4:38**
